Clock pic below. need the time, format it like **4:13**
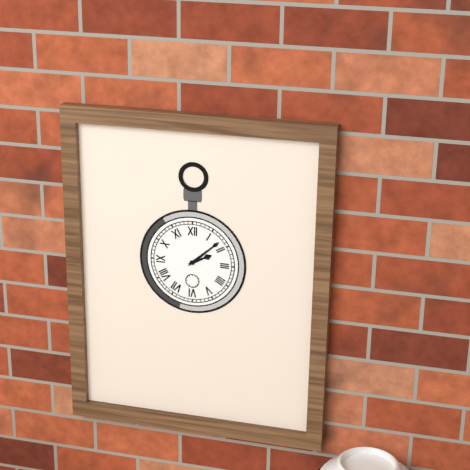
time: **2:08**
